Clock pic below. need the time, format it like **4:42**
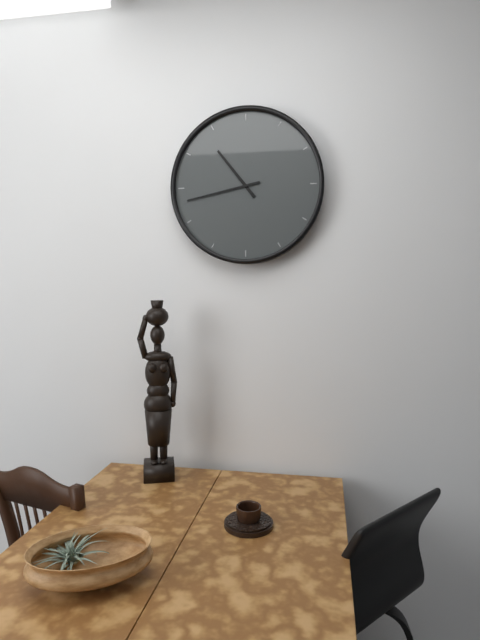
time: **10:43**
